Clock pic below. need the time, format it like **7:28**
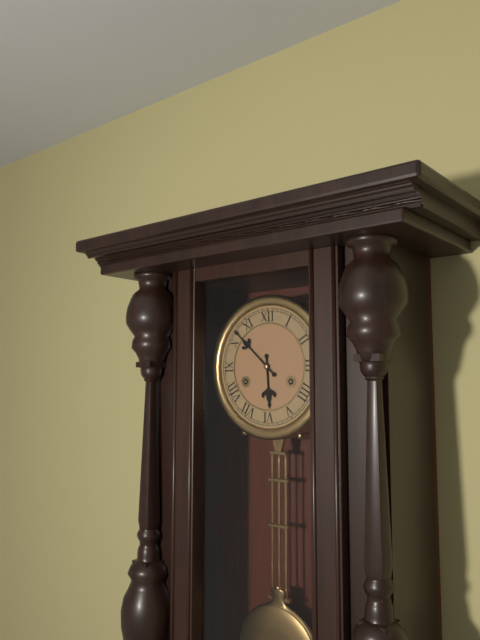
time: **5:52**
